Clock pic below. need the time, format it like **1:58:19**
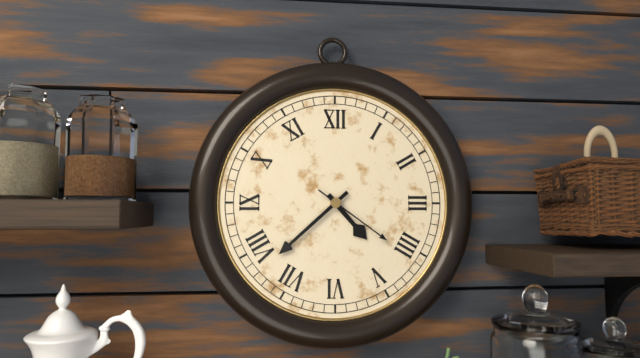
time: **4:38:21**
